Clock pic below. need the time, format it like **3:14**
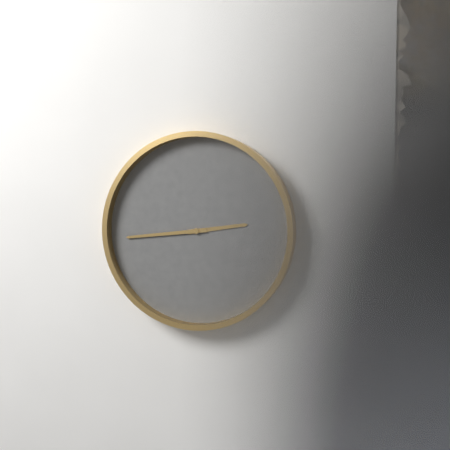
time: **2:44**
